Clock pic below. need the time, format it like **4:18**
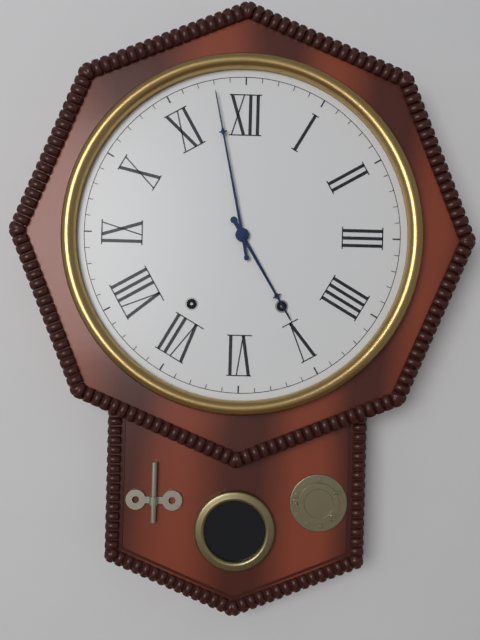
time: **4:58**
